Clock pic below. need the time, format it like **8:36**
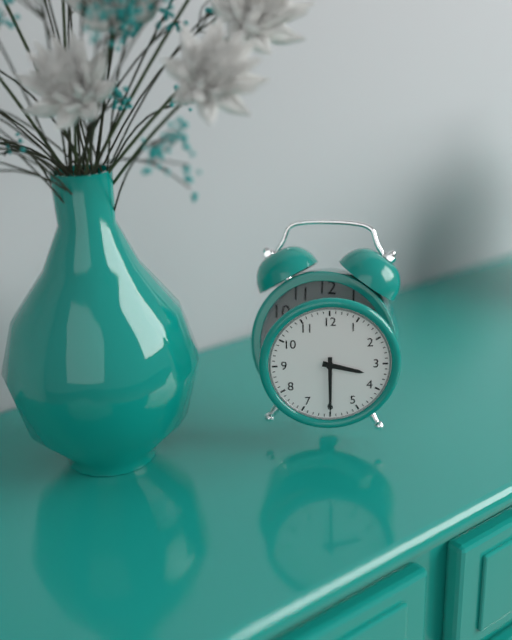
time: **3:30**
